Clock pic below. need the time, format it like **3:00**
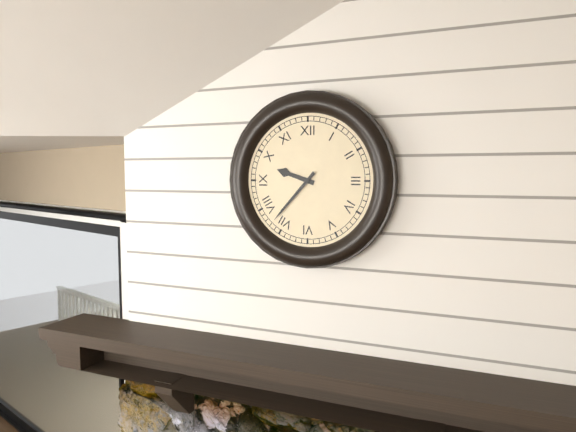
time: **9:37**
